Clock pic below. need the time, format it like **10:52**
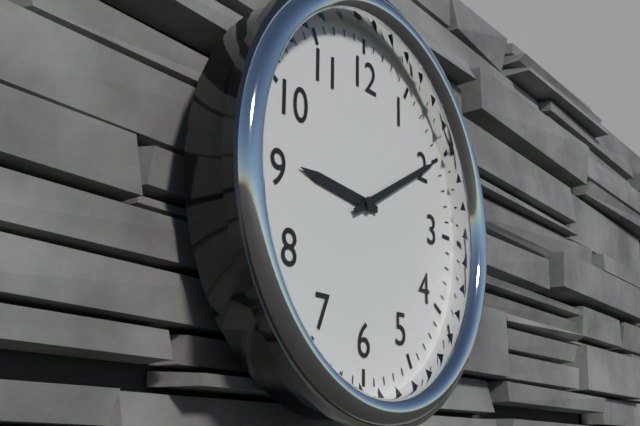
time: **9:10**
